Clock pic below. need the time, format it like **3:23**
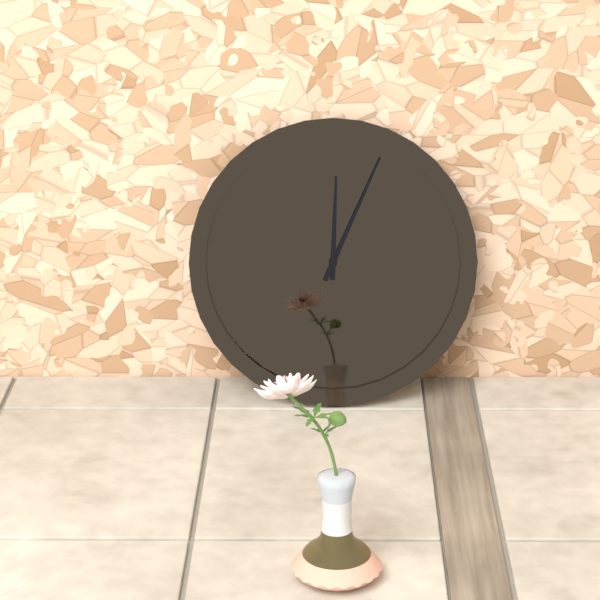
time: **12:04**
